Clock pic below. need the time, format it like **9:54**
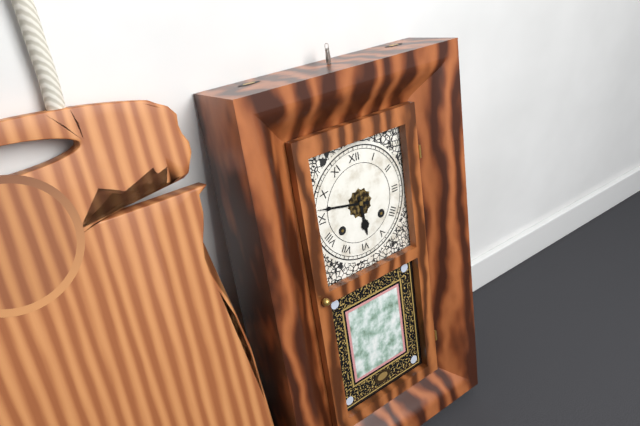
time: **5:47**
